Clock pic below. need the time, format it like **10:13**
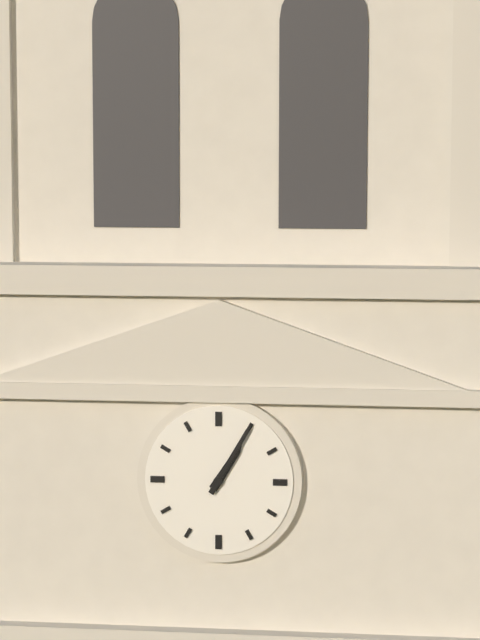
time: **1:05**
